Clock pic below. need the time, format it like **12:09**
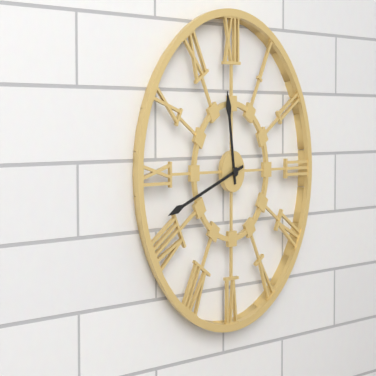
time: **11:42**
